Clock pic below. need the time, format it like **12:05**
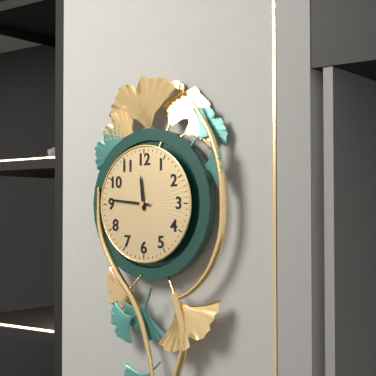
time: **11:46**
